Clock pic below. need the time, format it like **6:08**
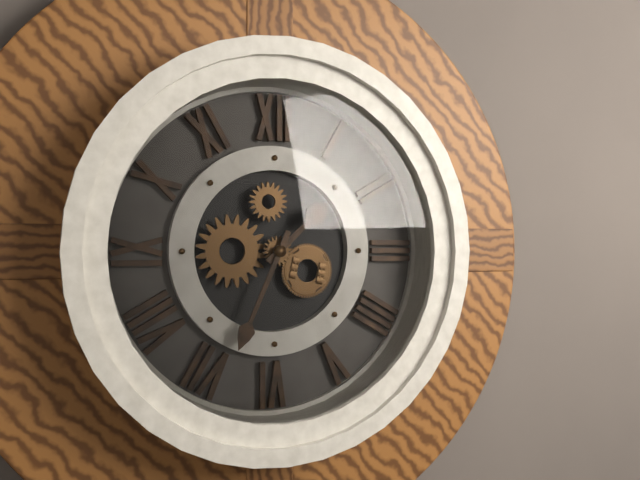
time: **1:34**
